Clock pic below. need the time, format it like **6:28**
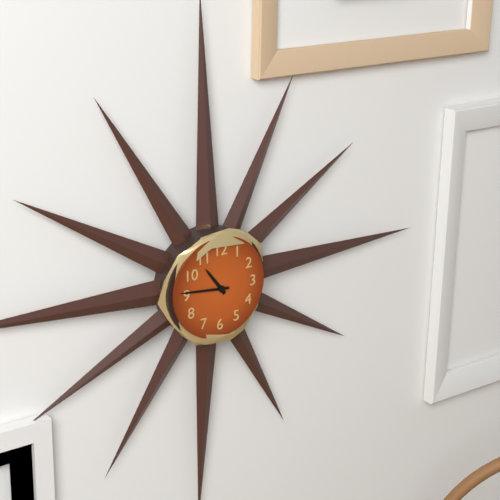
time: **10:46**
